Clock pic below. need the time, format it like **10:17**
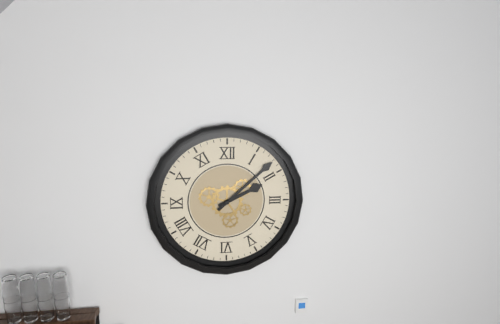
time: **2:08**
